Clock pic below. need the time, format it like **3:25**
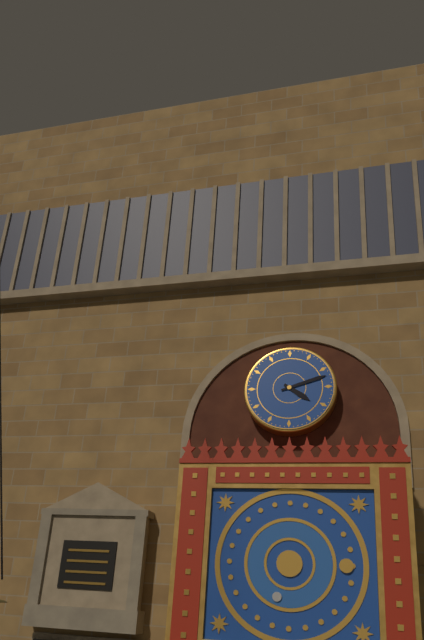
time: **4:12**
